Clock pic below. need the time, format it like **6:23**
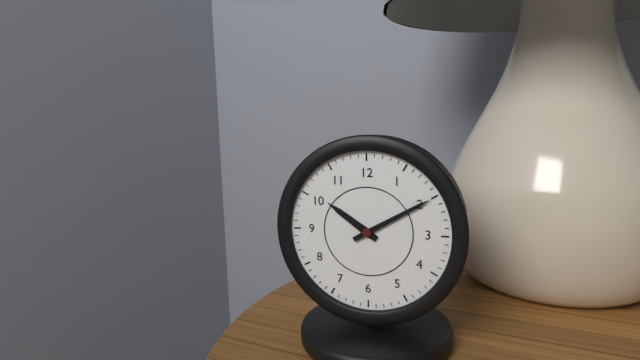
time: **10:10**
